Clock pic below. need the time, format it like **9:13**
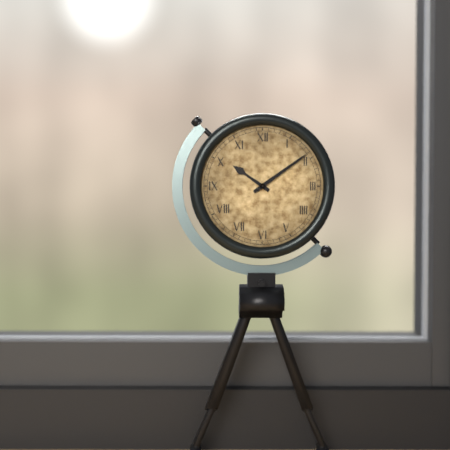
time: **10:09**
